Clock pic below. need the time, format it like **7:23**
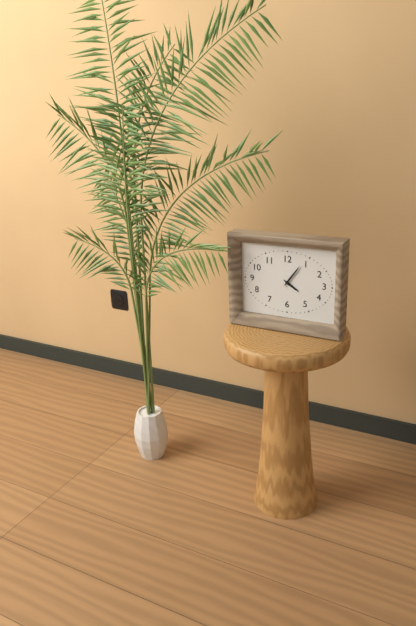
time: **4:06**
